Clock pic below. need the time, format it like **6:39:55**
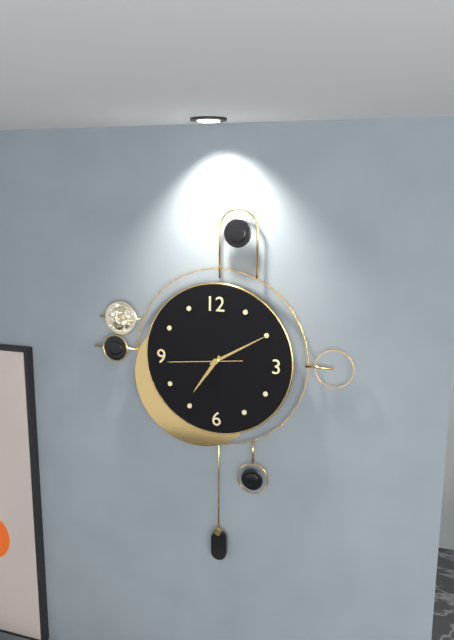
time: **7:10:44**
